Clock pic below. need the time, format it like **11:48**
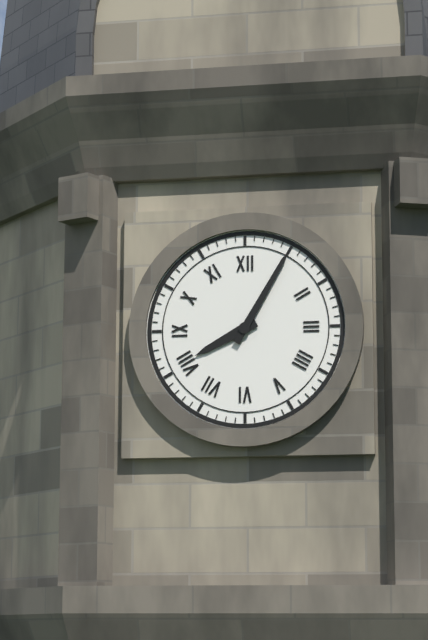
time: **8:05**
